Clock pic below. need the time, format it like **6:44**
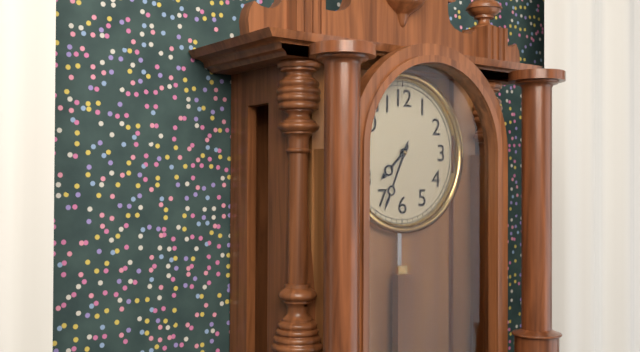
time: **7:34**
